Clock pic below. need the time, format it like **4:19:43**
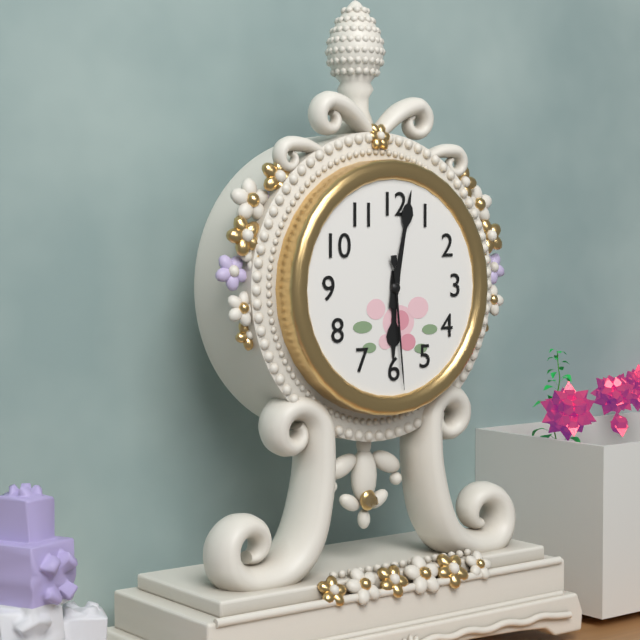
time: **6:02:29**
